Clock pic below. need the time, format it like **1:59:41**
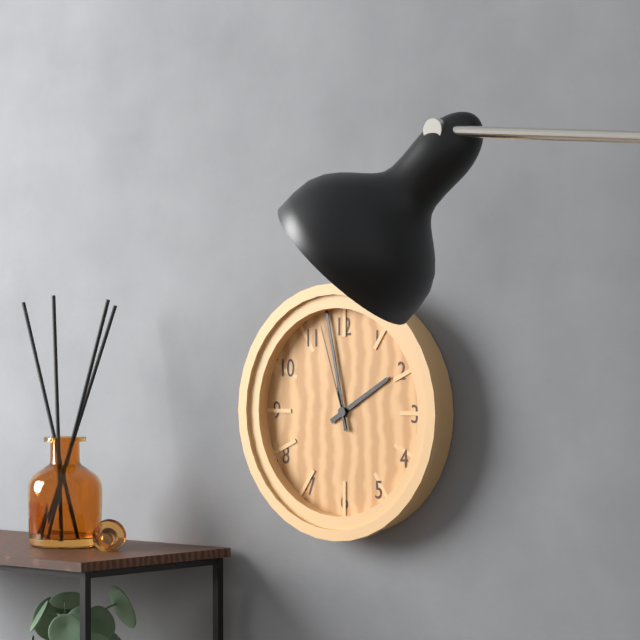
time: **1:58:57**
